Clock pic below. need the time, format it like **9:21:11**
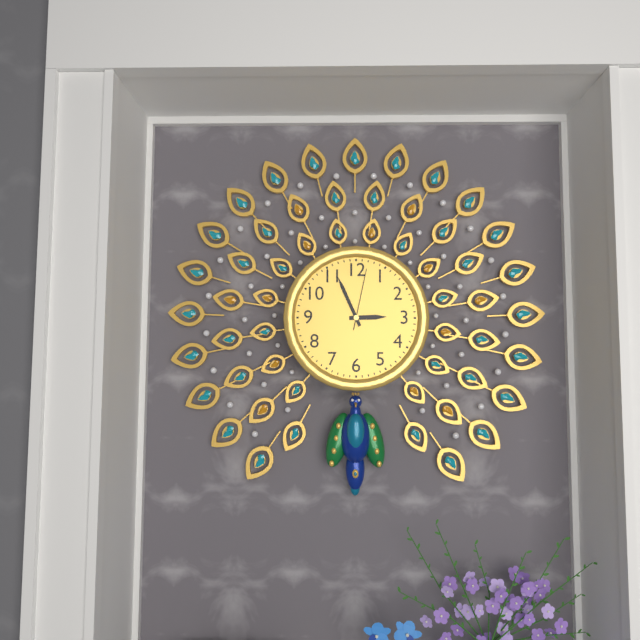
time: **2:56:02**
